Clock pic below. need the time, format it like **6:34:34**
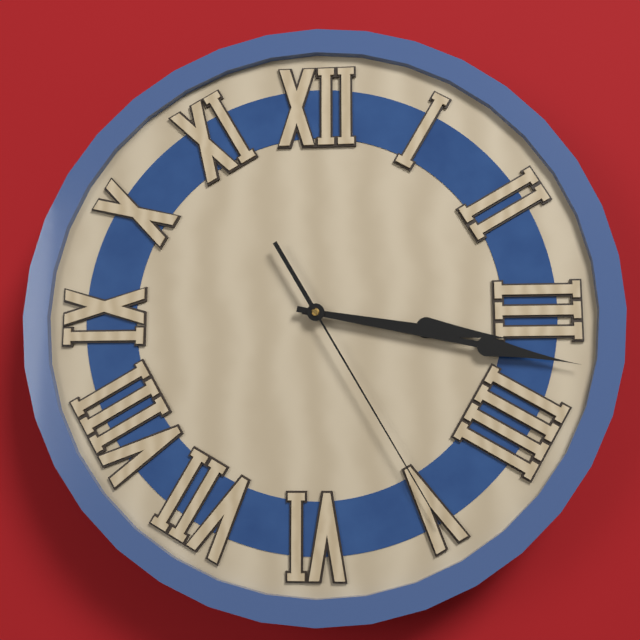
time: **3:17:25**
